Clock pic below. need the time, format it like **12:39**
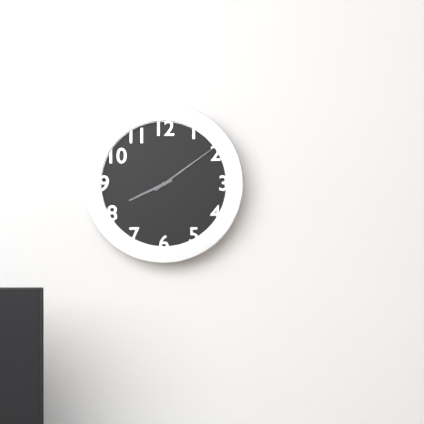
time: **8:09**
